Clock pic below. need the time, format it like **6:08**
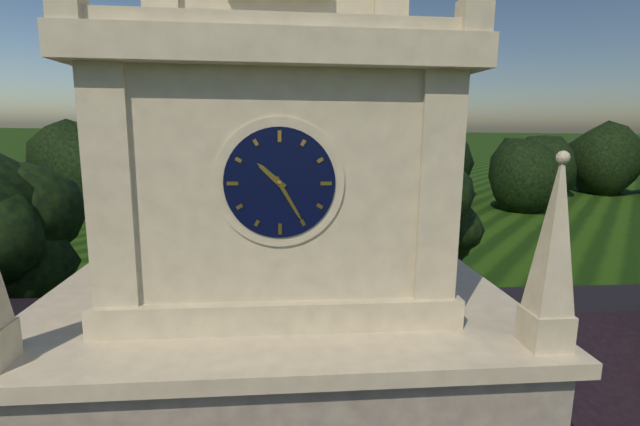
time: **10:25**
